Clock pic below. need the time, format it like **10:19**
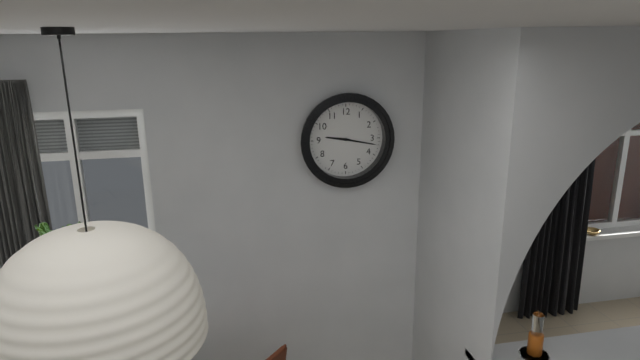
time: **9:17**
